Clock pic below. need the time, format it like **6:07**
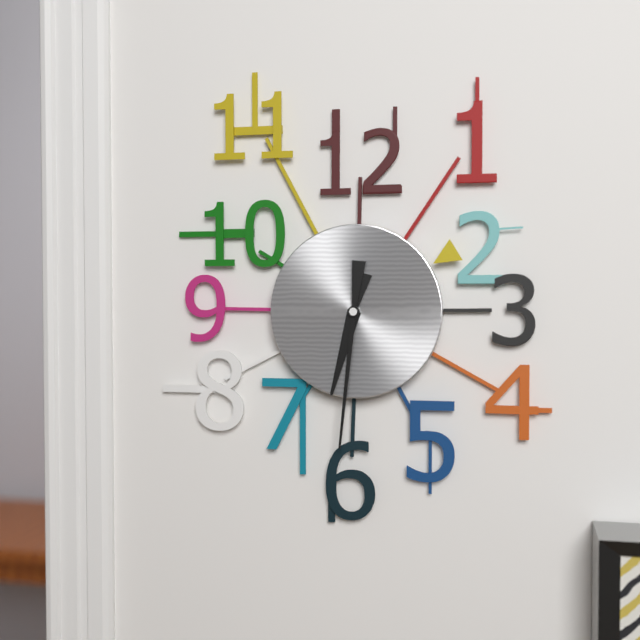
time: **6:31**
